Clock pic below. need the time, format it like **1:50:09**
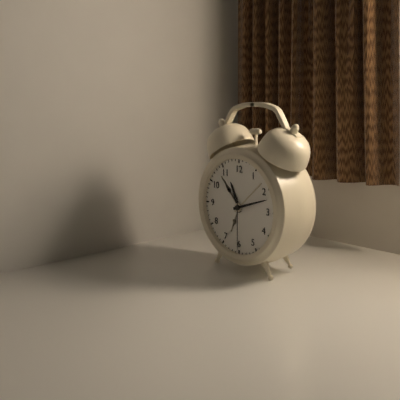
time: **11:12:30**
